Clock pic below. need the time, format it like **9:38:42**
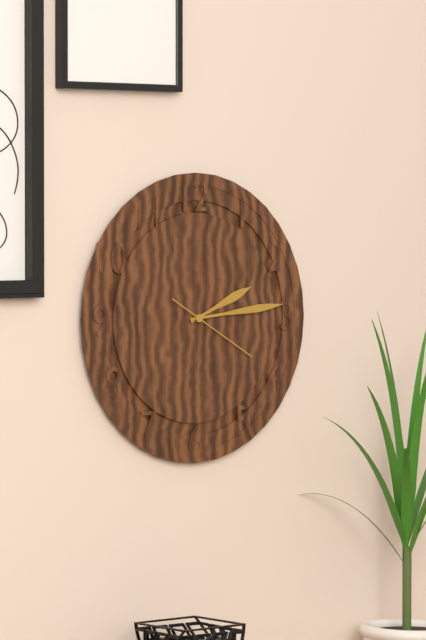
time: **2:14:20**
